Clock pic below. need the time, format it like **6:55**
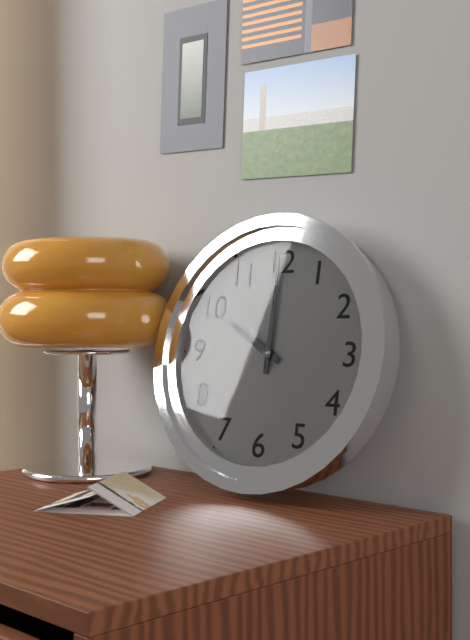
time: **10:00**
